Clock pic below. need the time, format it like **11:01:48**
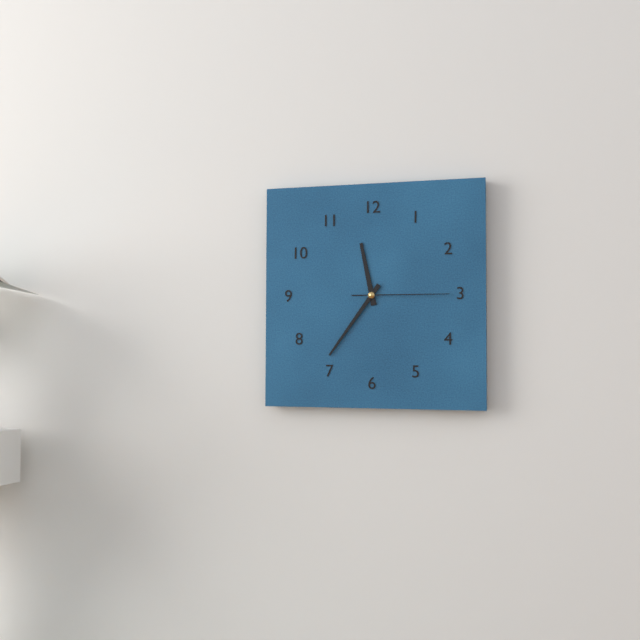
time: **11:36:15**
